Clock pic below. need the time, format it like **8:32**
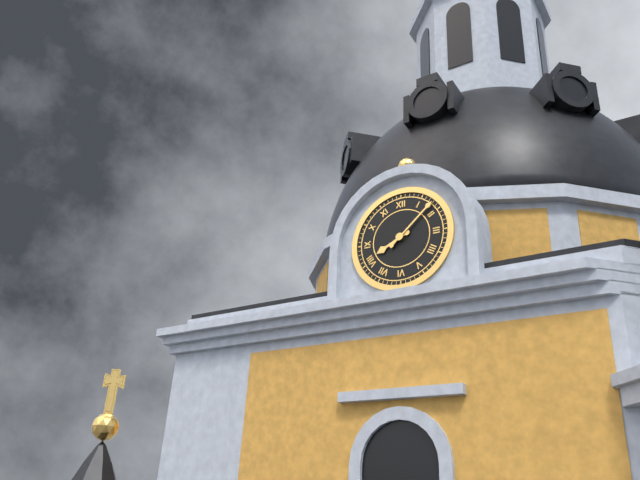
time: **8:08**
